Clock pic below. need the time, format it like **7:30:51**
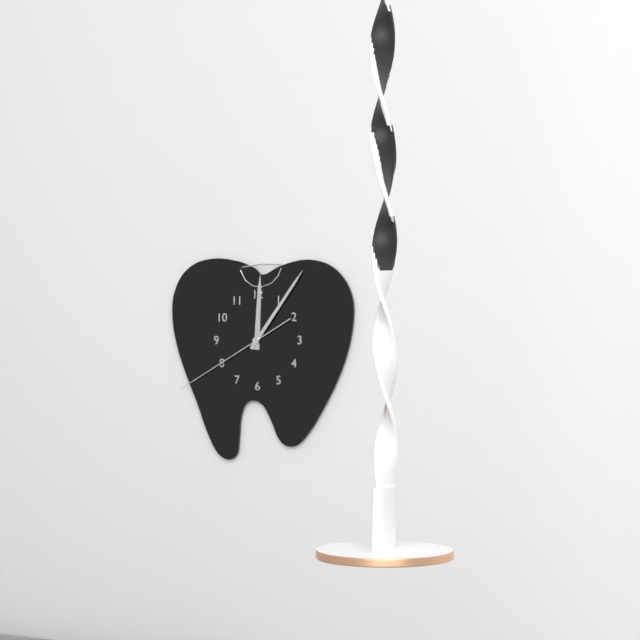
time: **12:06:40**
